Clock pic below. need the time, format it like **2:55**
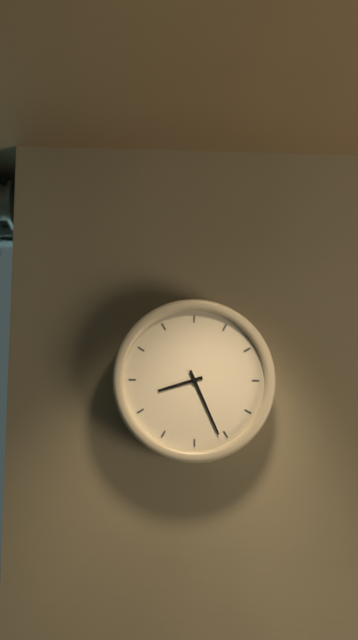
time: **8:26**
